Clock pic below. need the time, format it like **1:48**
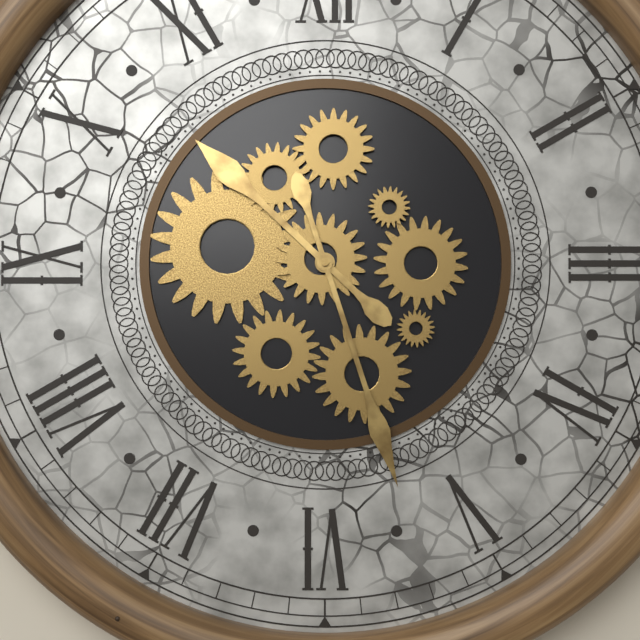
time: **10:27**
